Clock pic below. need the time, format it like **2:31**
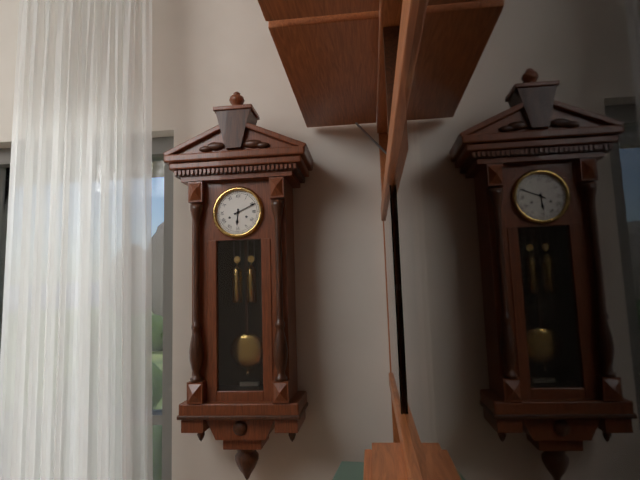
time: **6:11**
